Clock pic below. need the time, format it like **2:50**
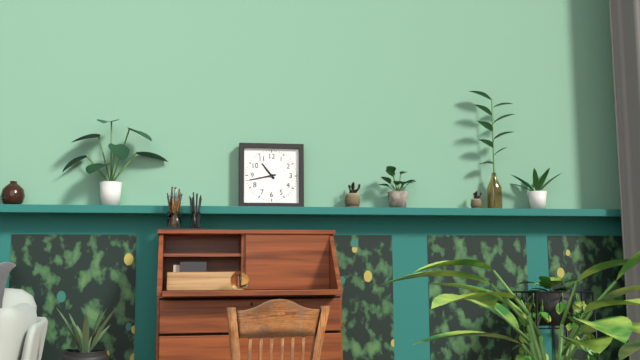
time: **10:43**
